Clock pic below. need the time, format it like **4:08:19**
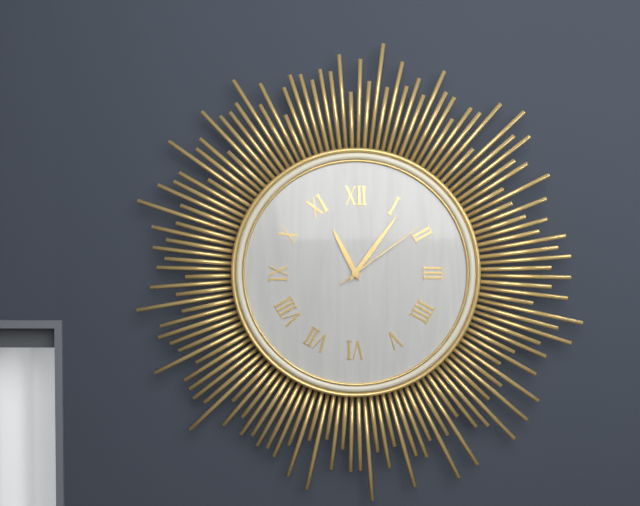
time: **11:06:09**
